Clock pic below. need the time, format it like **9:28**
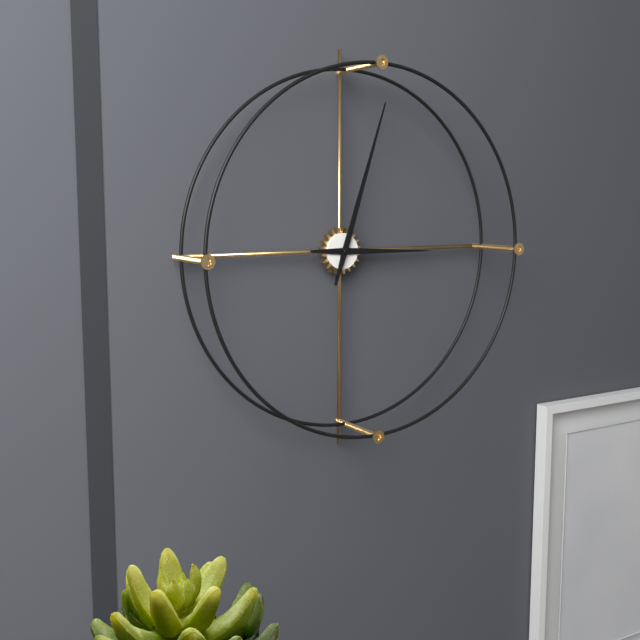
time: **3:03**
